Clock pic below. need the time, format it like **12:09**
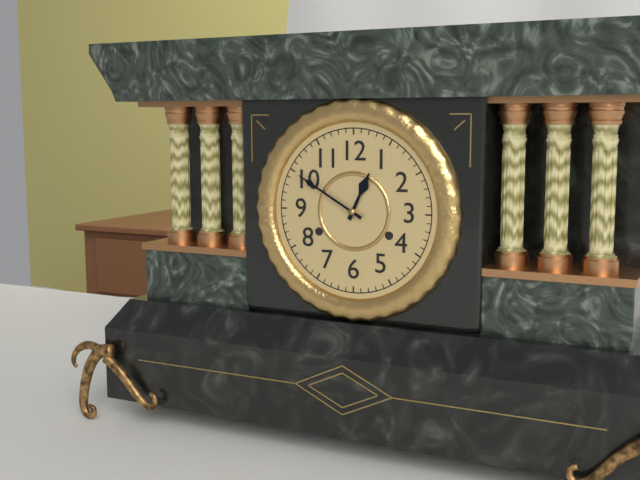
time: **12:50**
